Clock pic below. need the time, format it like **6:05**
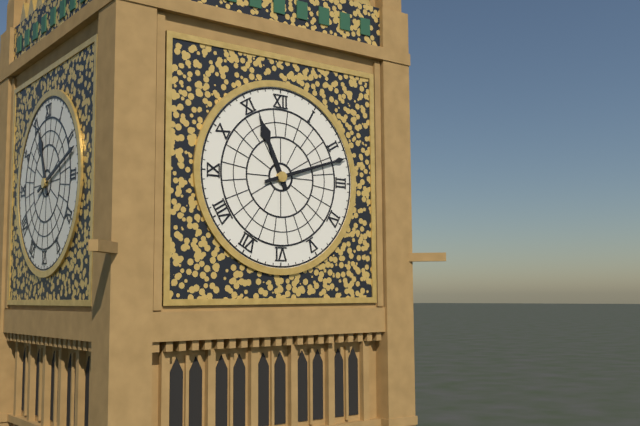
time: **11:12**
